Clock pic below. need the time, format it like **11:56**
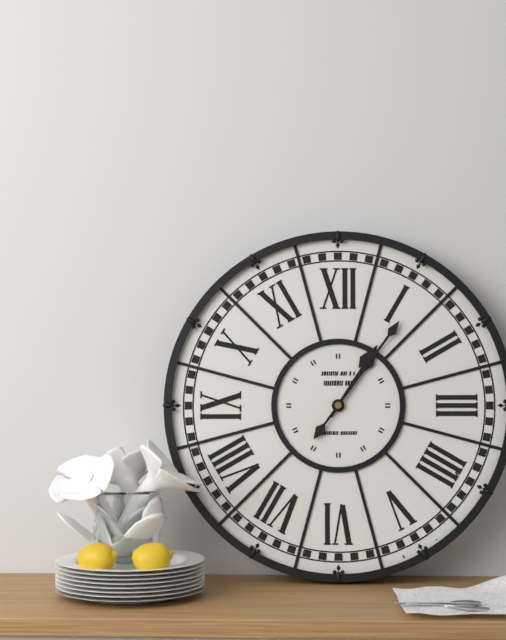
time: **1:06**
